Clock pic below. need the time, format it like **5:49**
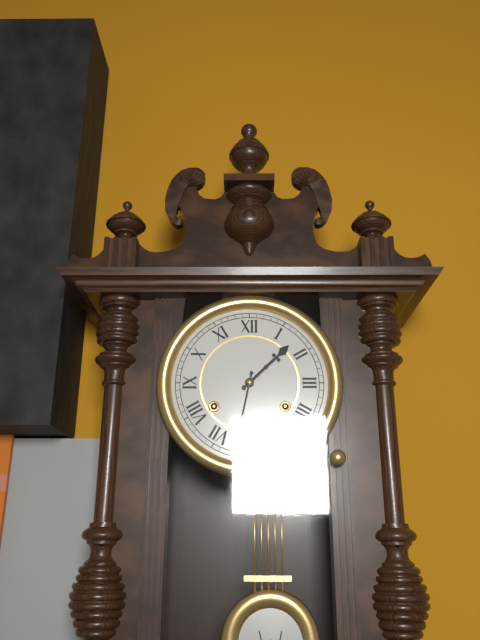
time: **1:32**
